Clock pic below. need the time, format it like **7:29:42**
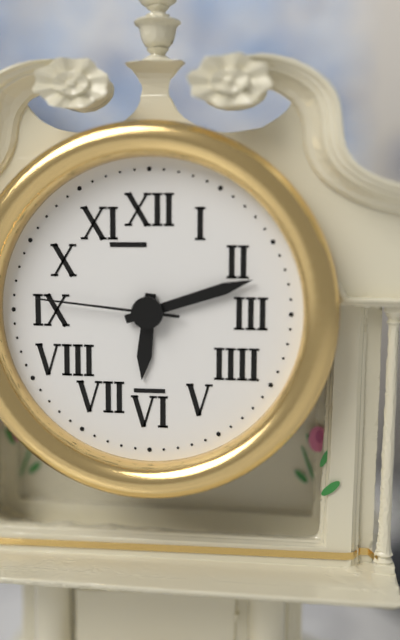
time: **6:12:46**
